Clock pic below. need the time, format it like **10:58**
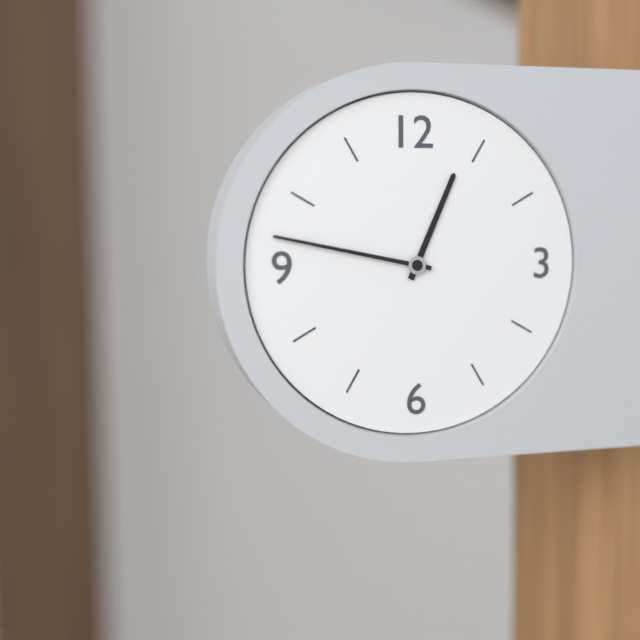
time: **12:47**
